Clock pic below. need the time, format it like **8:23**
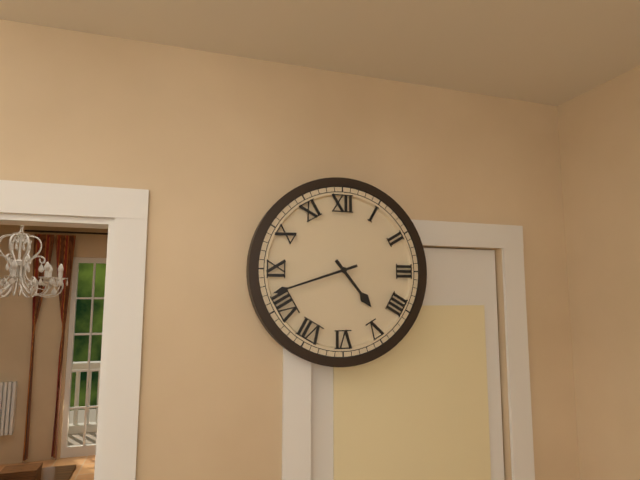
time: **4:42**
